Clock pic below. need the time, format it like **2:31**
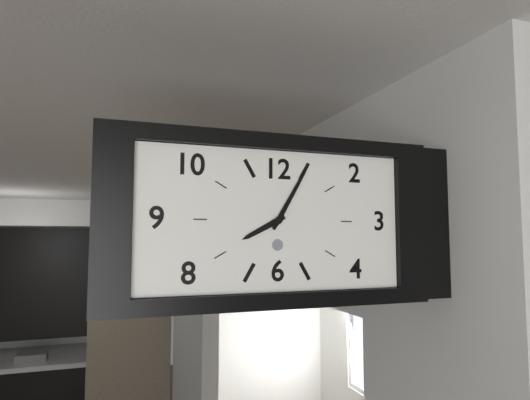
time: **8:05**
